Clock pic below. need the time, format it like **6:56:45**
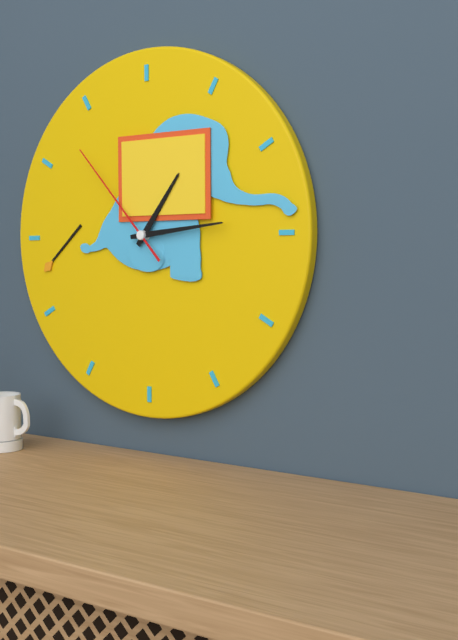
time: **1:14:53**
